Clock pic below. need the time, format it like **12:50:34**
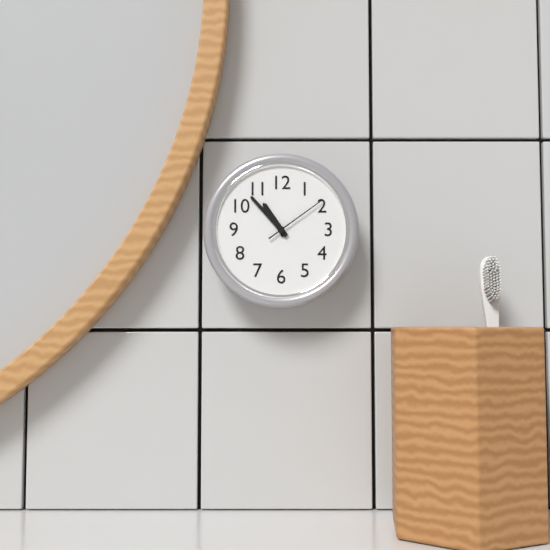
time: **10:53:09**
